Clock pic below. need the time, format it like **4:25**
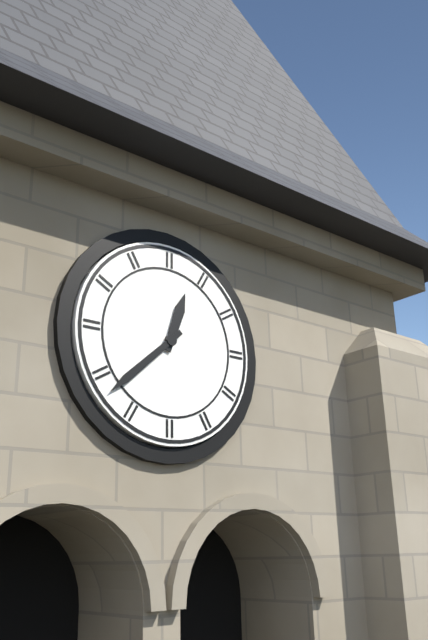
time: **12:38**
